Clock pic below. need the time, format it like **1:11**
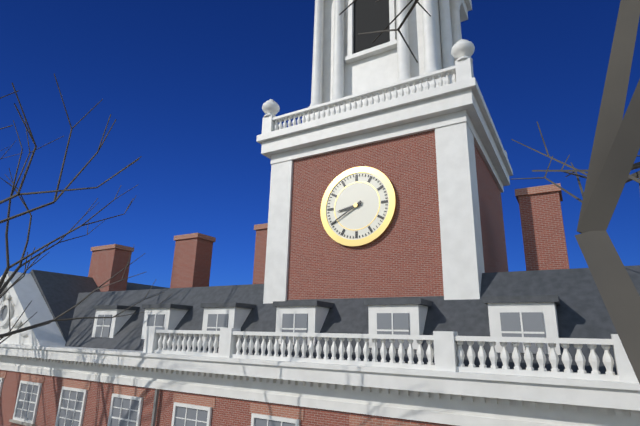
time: **8:40**
